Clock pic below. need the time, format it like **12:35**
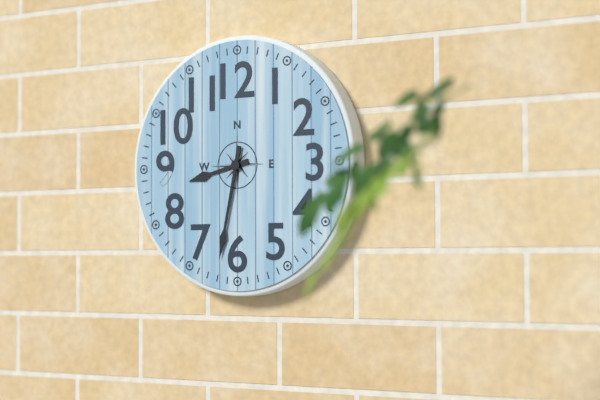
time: **8:32**
